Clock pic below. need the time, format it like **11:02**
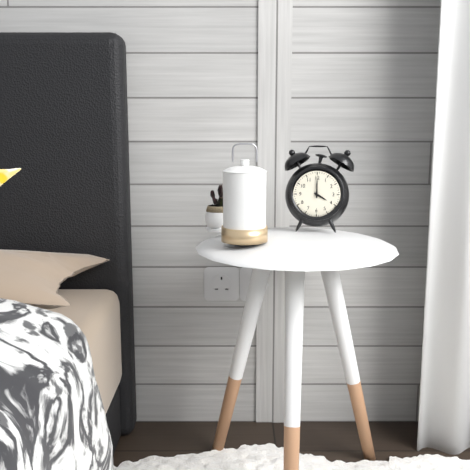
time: **4:00**
